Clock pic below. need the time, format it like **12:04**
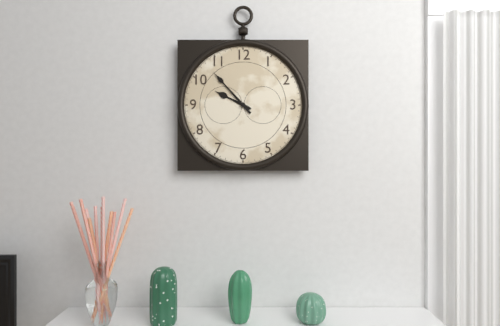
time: **9:53**
